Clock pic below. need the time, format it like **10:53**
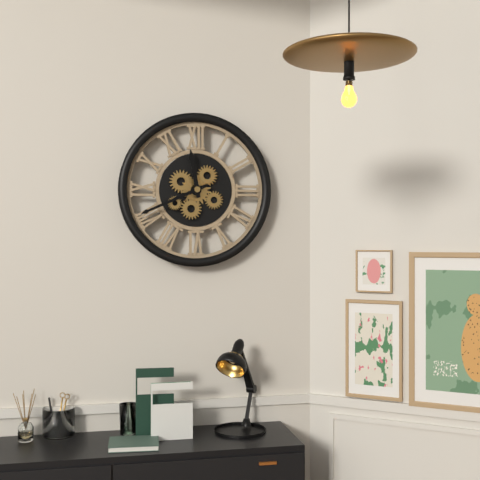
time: **11:41**
